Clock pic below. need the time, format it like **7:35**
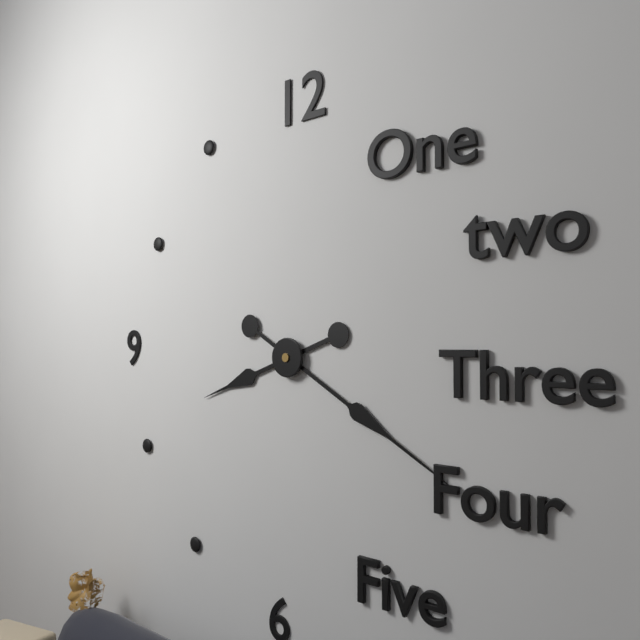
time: **8:20**
